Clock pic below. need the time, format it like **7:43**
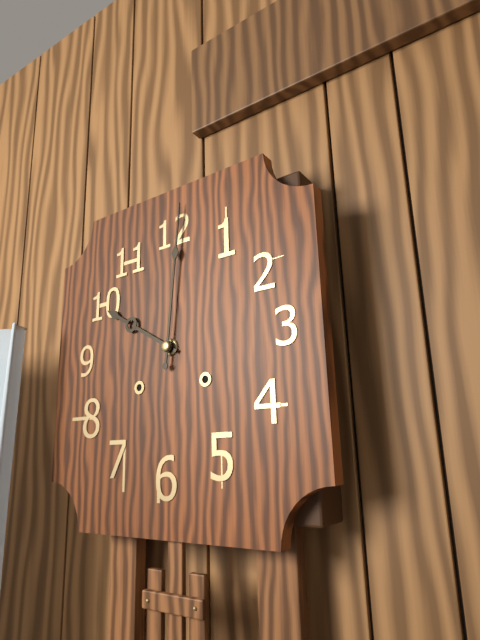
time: **10:01**
